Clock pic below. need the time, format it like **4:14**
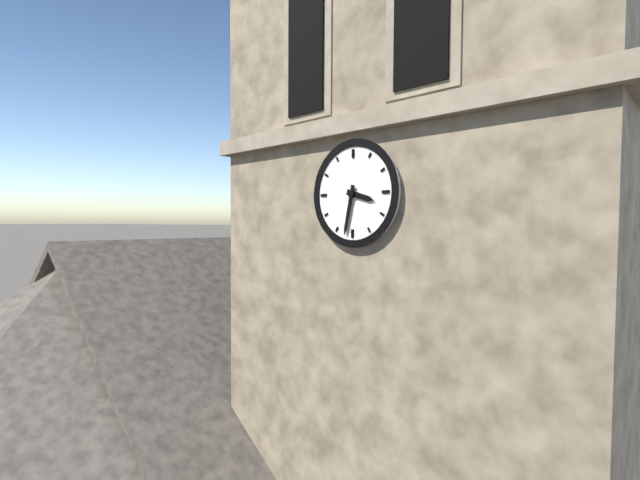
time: **3:32**
